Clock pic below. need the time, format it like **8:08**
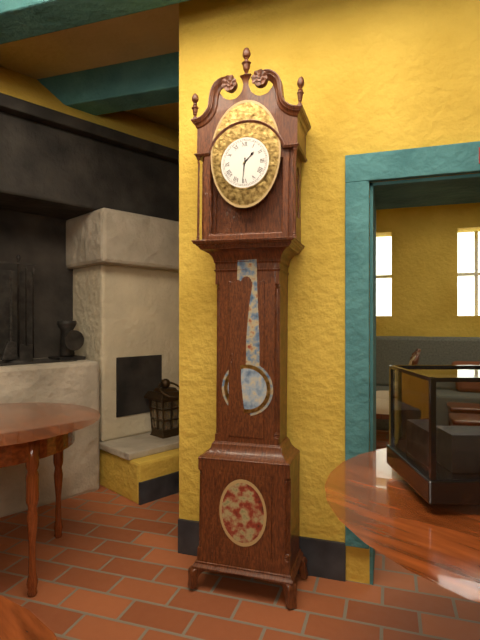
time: **1:31**
